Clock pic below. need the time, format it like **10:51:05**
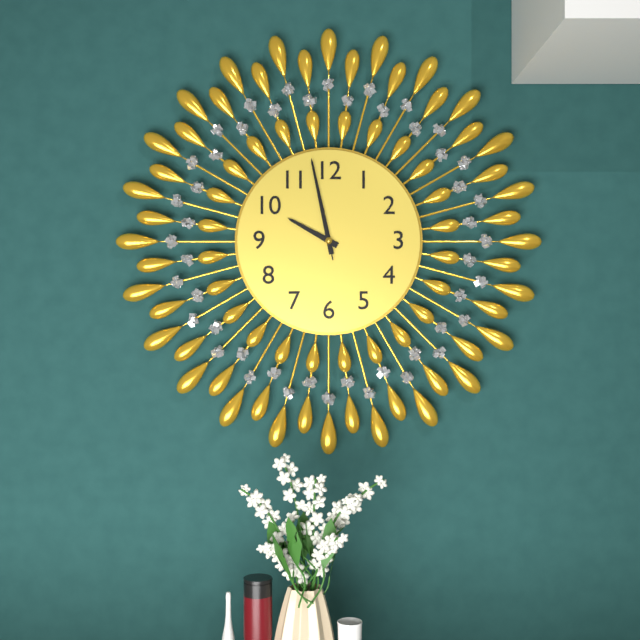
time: **9:58:58**
